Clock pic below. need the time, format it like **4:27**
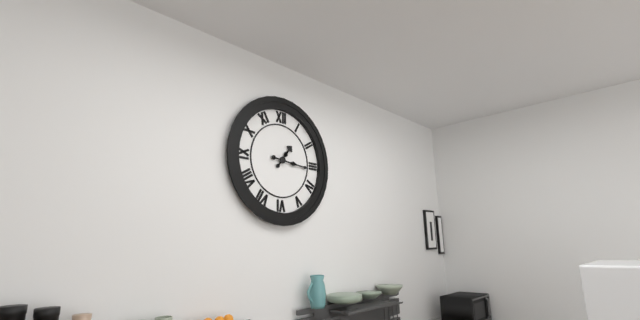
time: **1:16**
